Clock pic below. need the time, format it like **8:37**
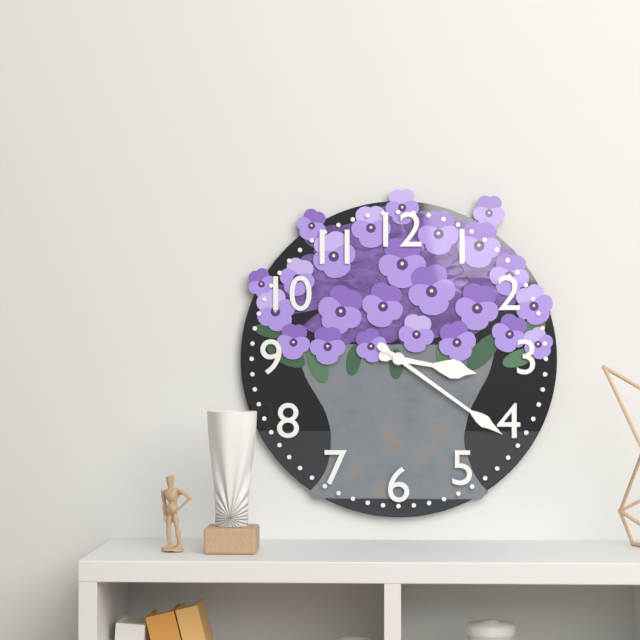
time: **3:21**
